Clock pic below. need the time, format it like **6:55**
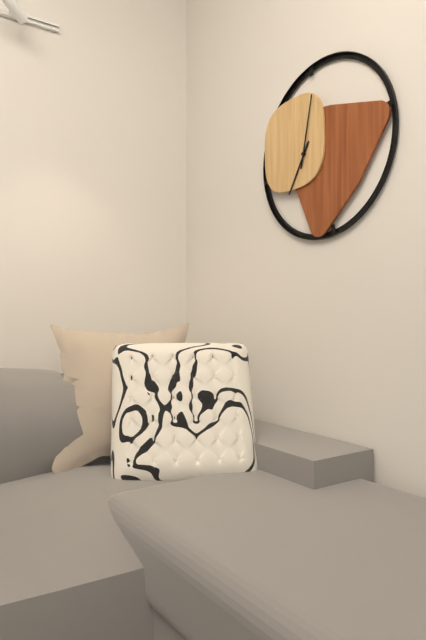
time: **7:02**
